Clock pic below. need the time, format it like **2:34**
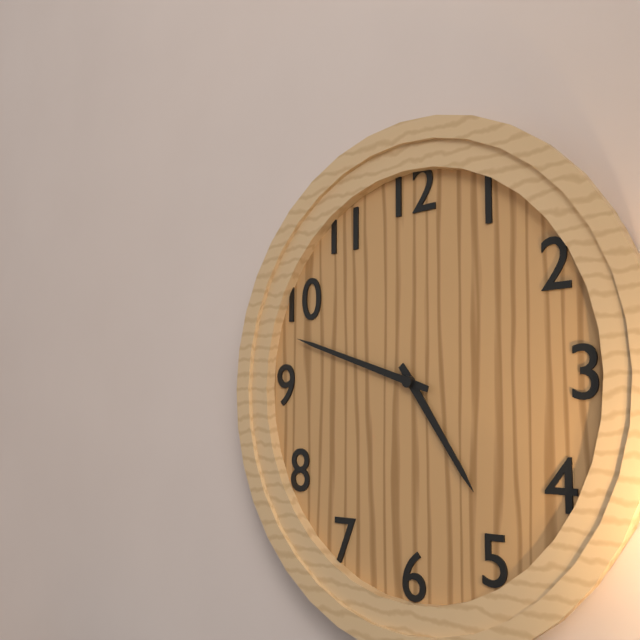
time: **4:48**
